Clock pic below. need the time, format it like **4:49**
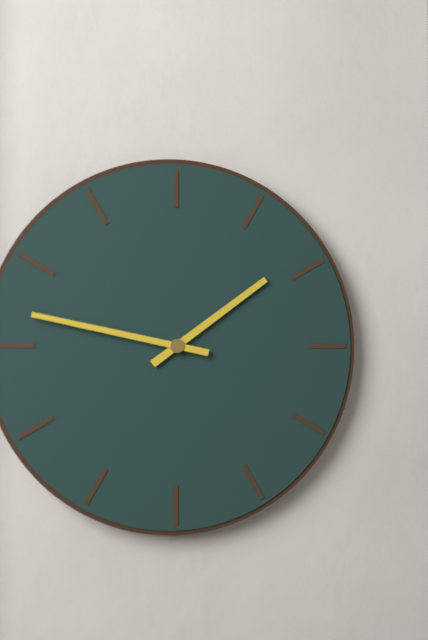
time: **1:47**
